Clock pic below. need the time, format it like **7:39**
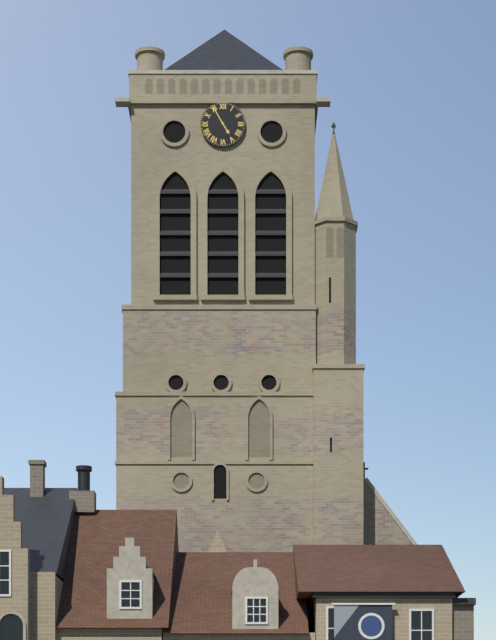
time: **4:55**
